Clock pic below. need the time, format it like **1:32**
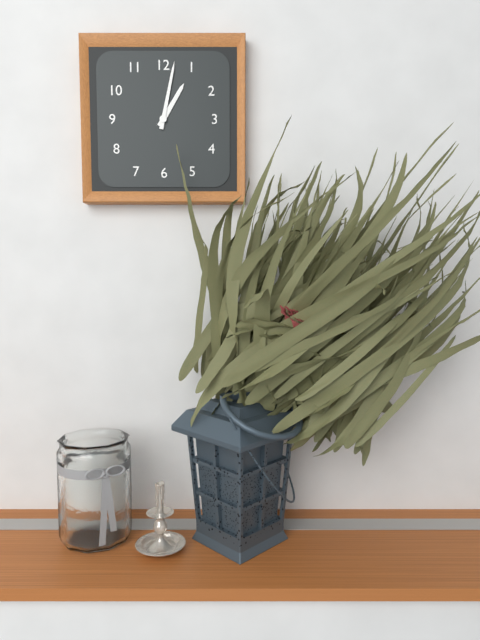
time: **1:02**
